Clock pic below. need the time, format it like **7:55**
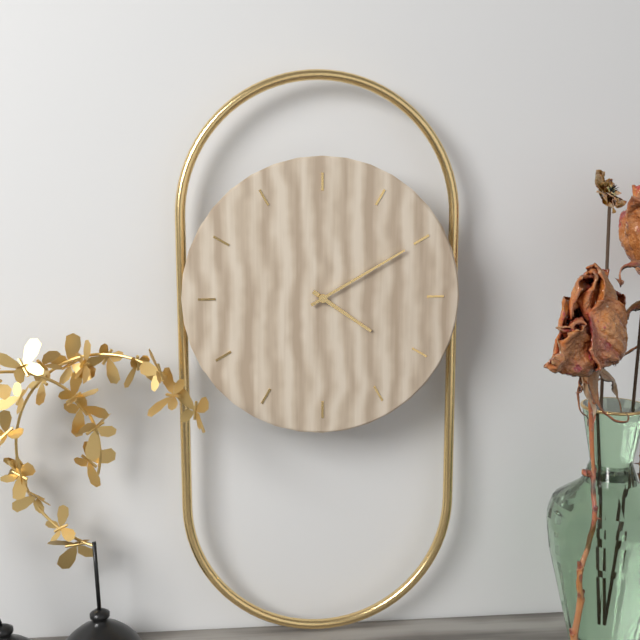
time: **4:10**
